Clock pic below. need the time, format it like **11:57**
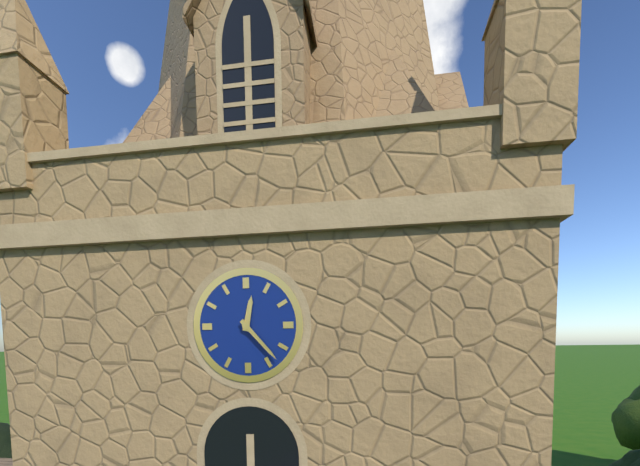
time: **12:23**
